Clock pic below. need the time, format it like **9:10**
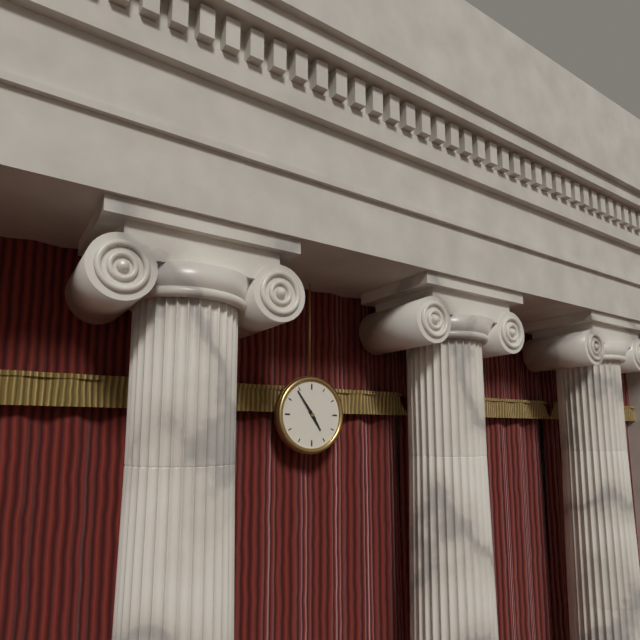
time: **4:54**
